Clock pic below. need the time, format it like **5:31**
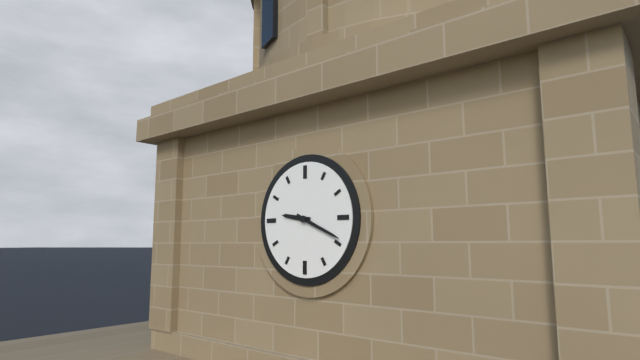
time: **9:19**
